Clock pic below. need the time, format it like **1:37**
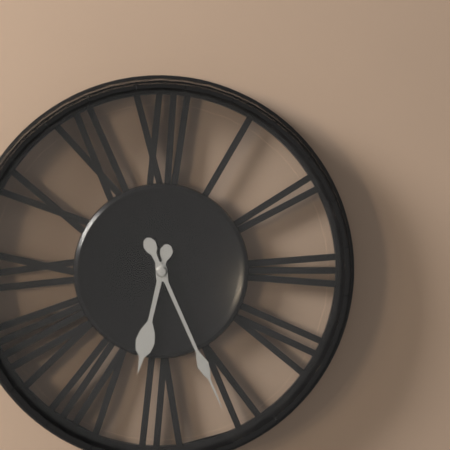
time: **6:26**
